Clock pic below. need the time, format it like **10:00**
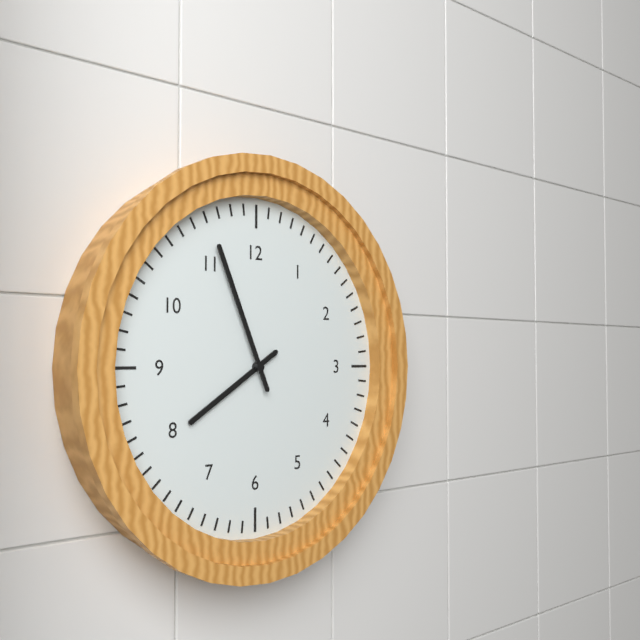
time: **7:56**
